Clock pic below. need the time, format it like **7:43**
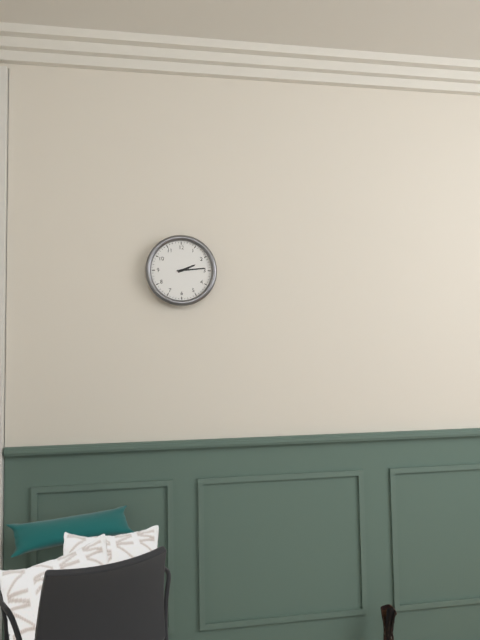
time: **2:14**
